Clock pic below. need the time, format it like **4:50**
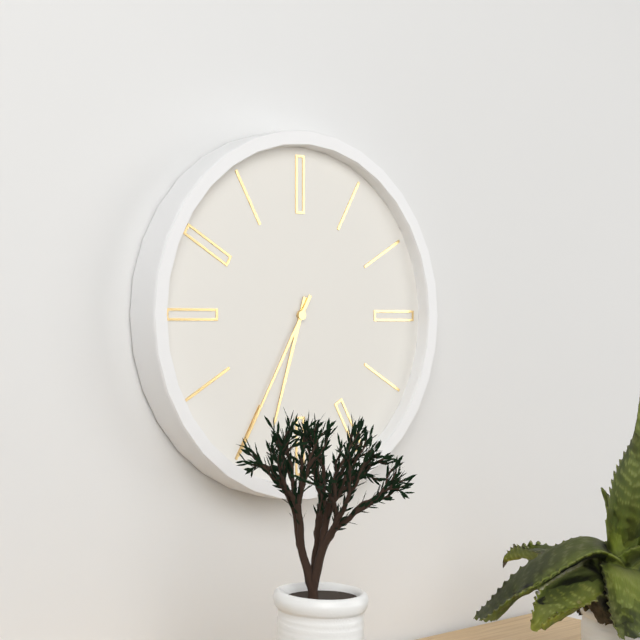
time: **6:35**
